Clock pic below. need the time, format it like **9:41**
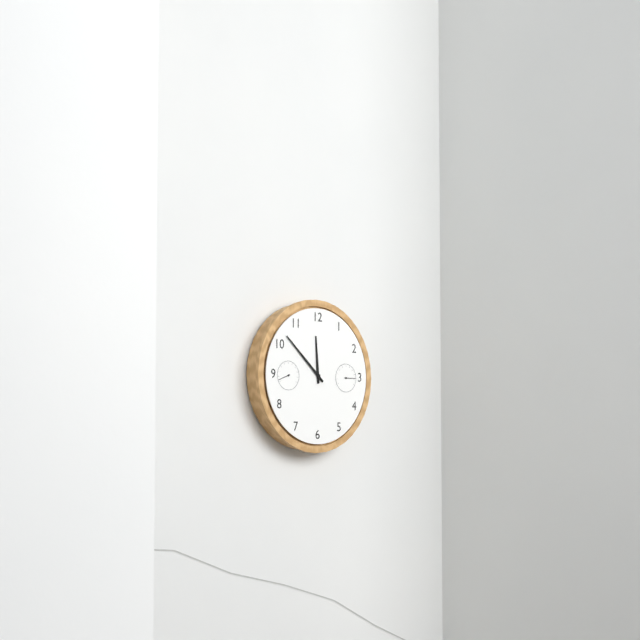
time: **11:52**
